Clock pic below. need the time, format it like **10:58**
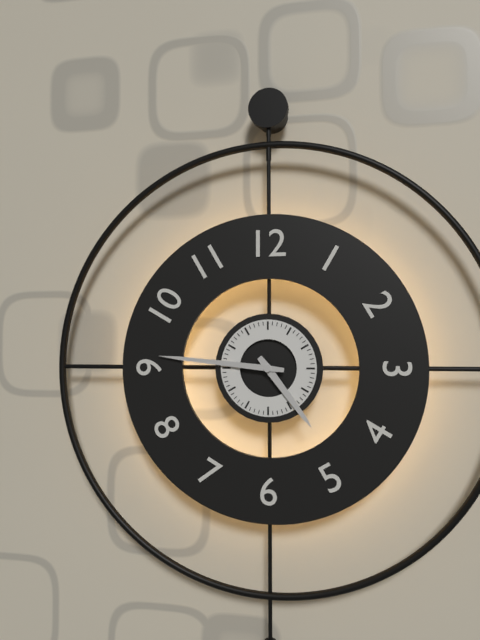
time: **4:46**
